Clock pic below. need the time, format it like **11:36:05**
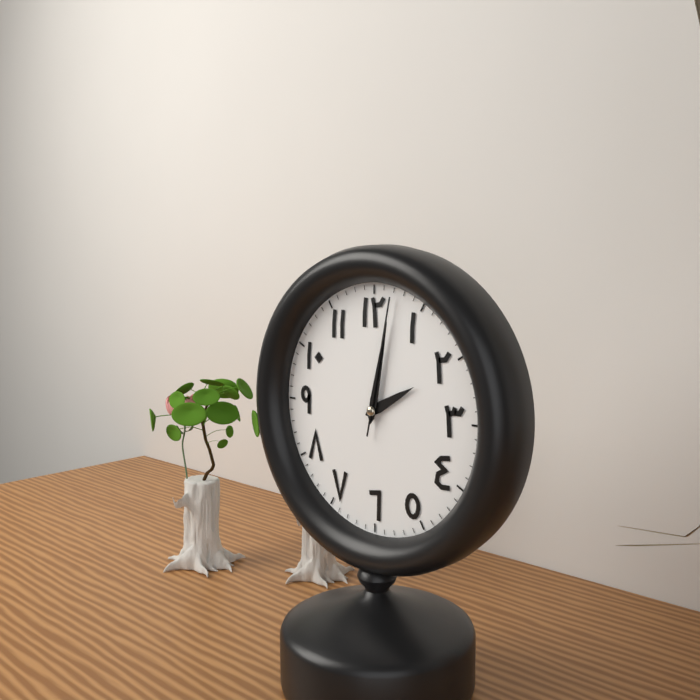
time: **2:02:02**
